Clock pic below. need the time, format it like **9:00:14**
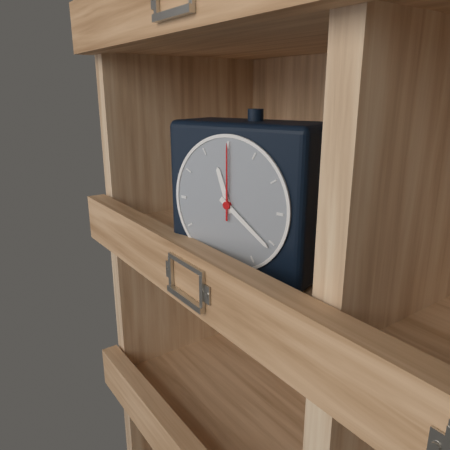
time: **11:21:00**
